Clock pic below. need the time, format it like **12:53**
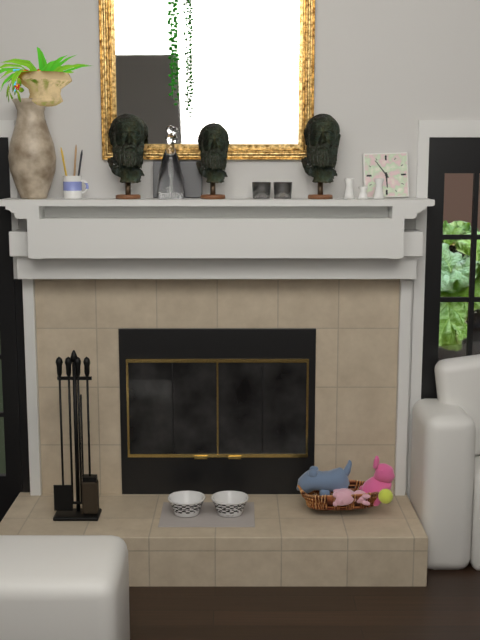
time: **5:54**
